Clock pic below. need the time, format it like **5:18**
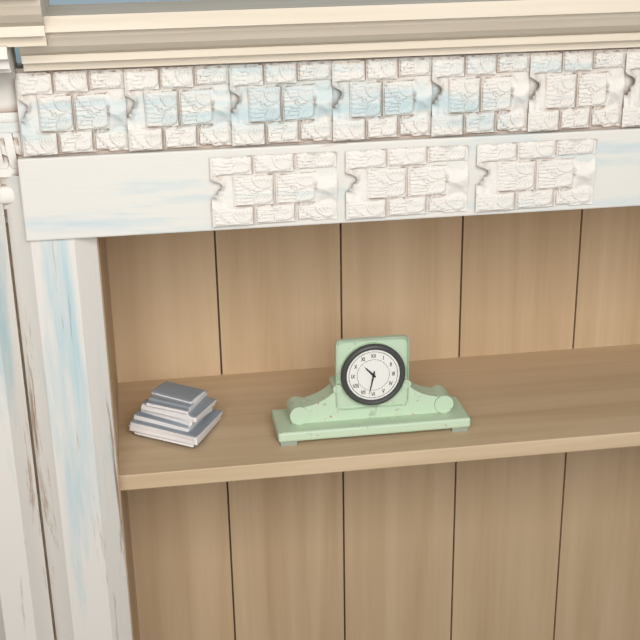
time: **10:32**
